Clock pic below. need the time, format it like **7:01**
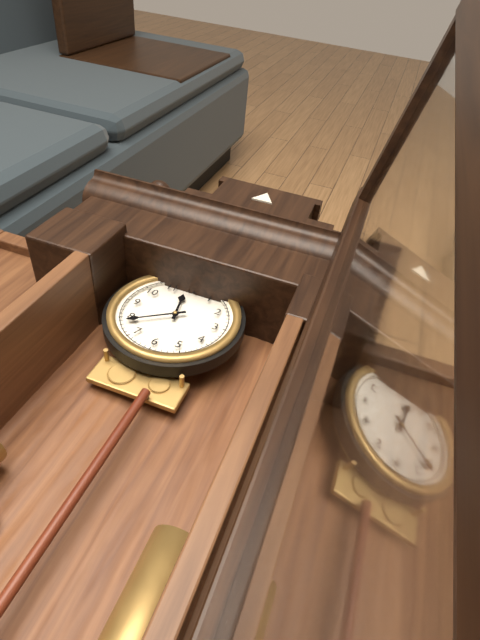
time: **11:39**
